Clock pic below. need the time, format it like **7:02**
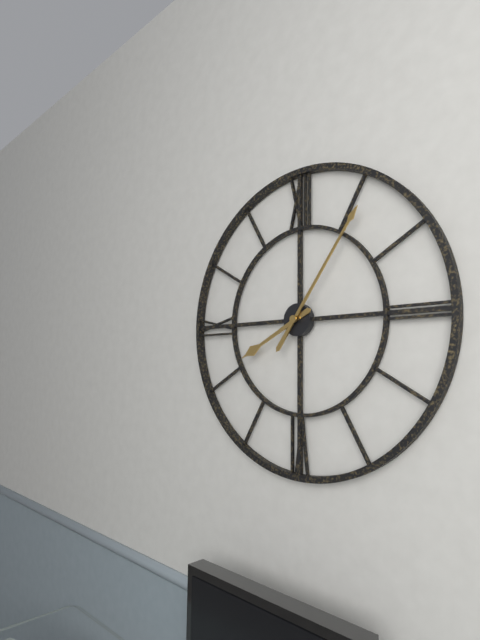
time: **8:06**
